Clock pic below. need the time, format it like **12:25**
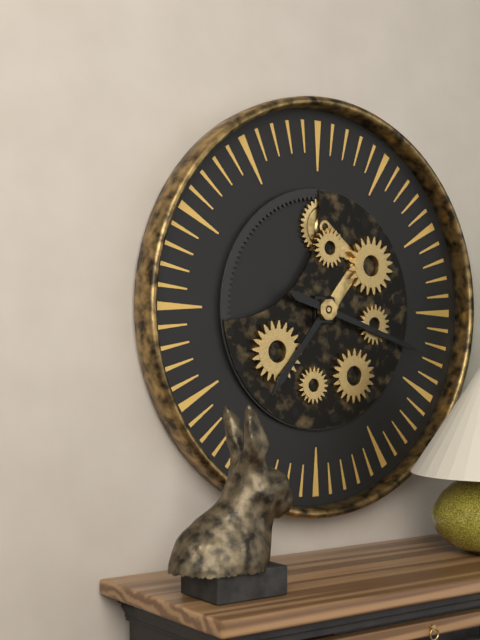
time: **7:18**
